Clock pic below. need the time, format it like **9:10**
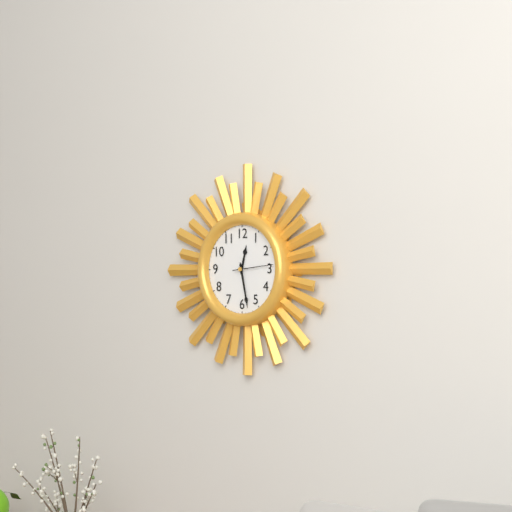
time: **12:28**
